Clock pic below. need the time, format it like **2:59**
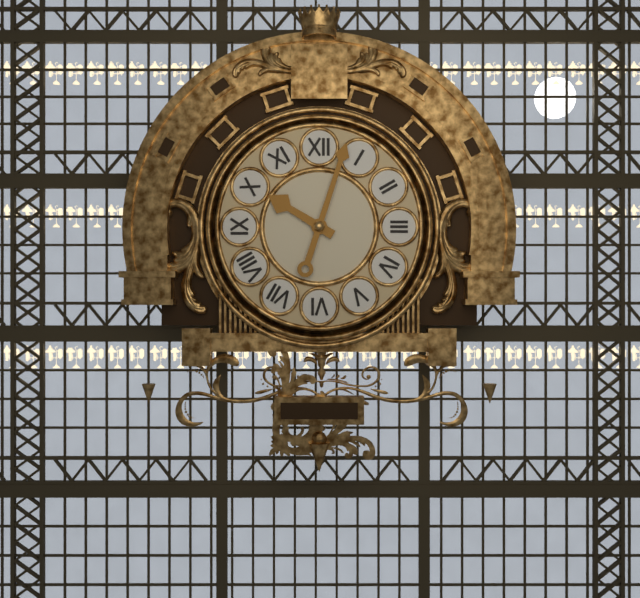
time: **10:03**
